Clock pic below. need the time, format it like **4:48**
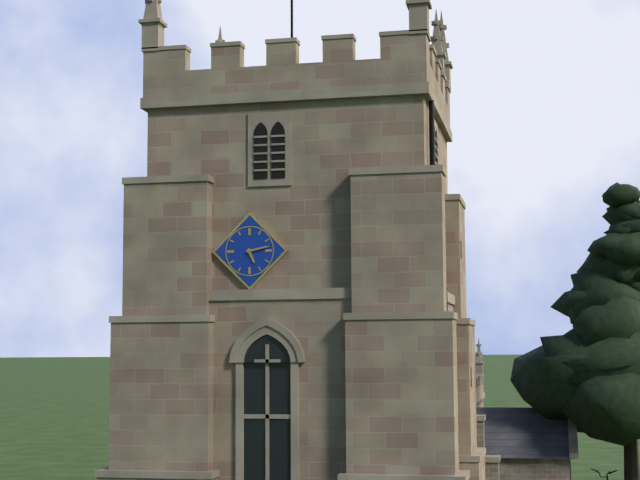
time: **5:13**
